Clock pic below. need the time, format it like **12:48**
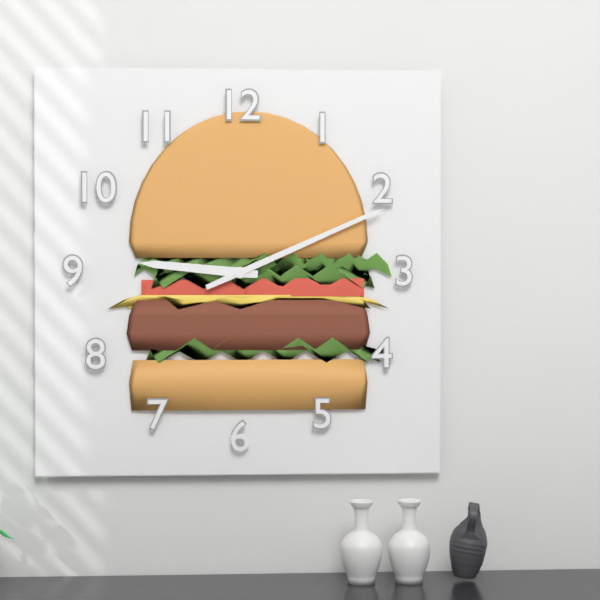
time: **9:11**
